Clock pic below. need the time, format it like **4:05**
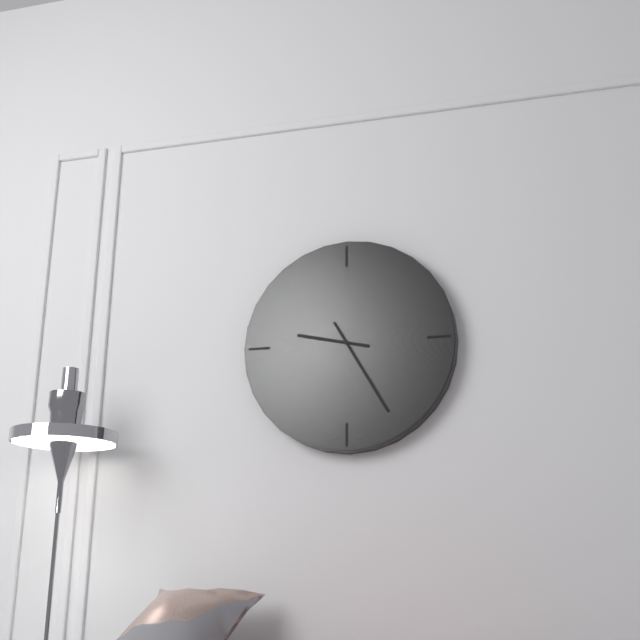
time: **9:25**
